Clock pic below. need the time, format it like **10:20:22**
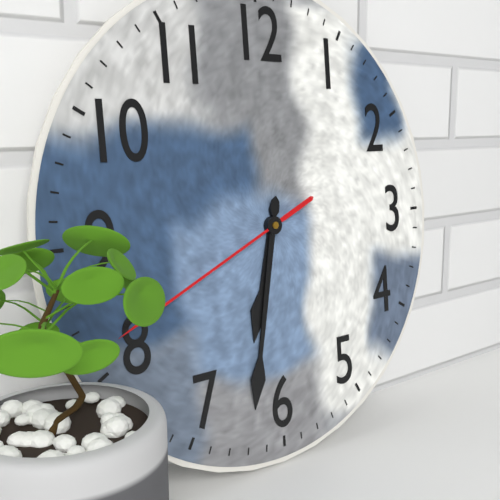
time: **6:32:41**
